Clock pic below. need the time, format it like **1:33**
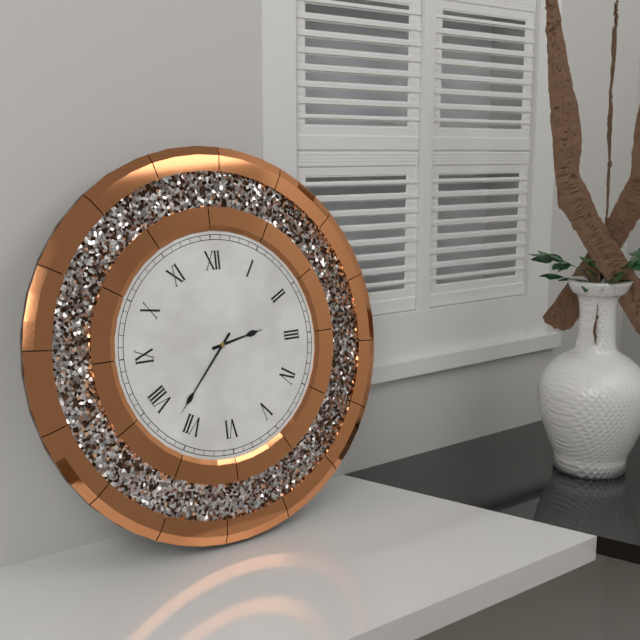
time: **2:37**
